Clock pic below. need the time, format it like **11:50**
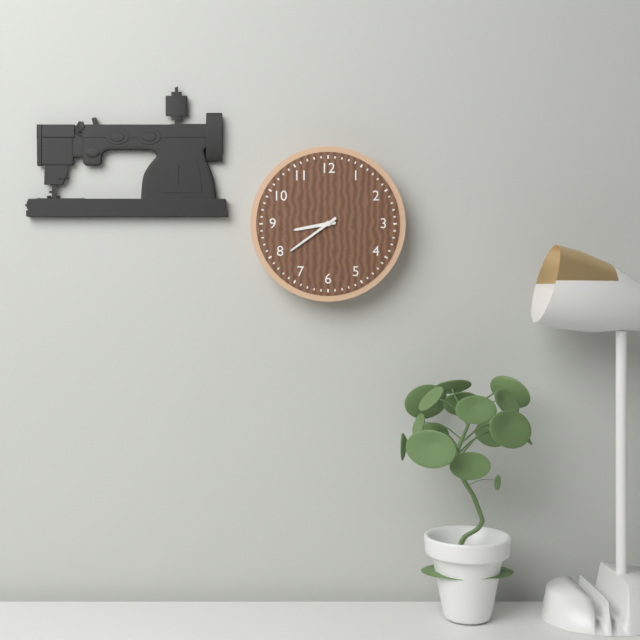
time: **8:39**
